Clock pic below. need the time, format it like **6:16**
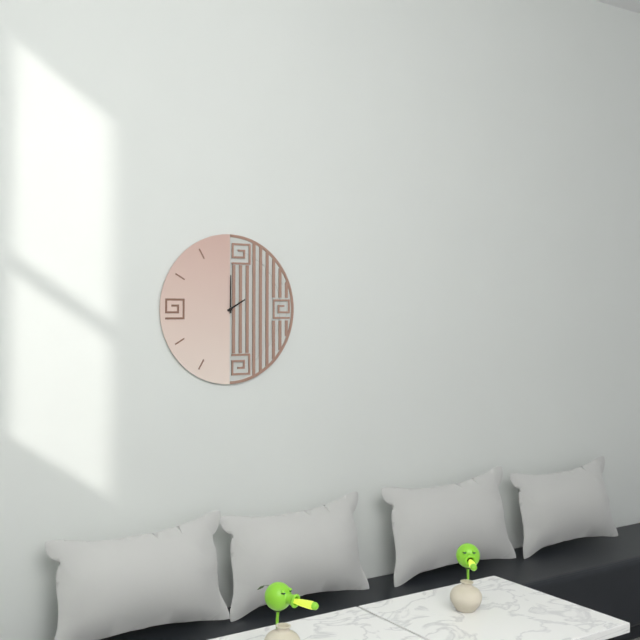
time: **2:00**
